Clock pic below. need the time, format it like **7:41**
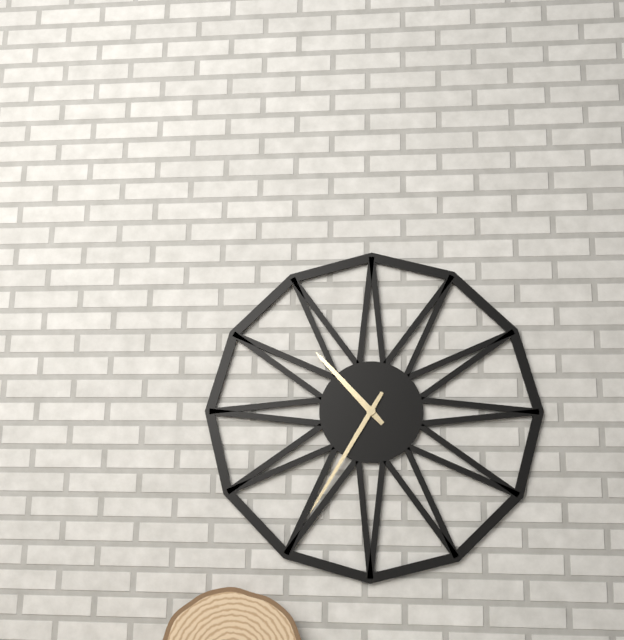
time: **10:35**
